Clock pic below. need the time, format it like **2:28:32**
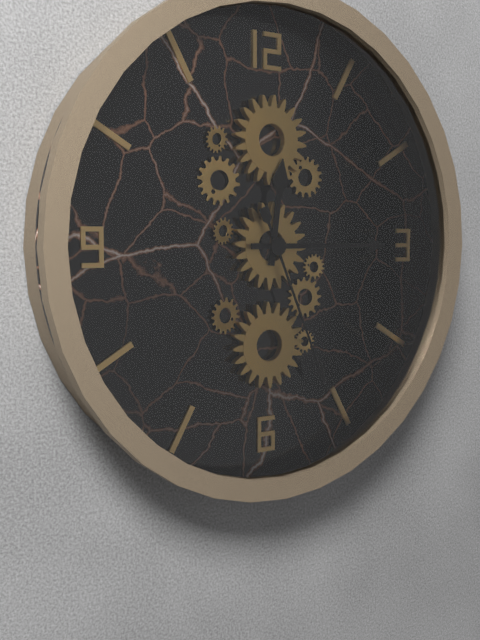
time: **12:15:26**
